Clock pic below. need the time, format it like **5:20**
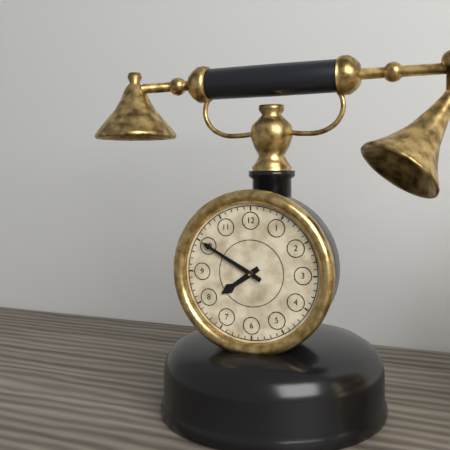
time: **7:50**
